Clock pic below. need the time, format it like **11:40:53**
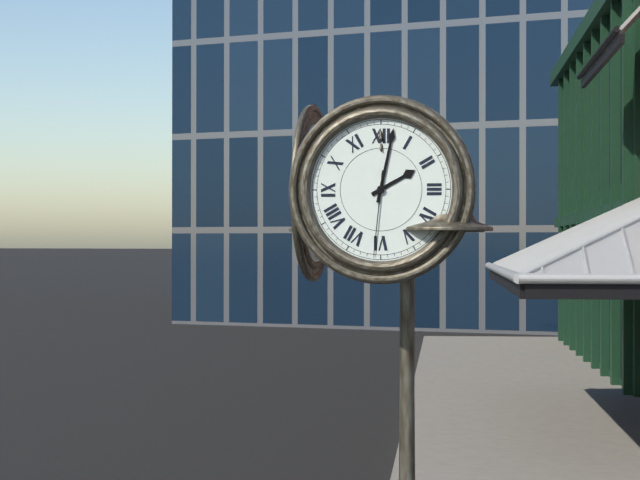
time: **2:02:31**
